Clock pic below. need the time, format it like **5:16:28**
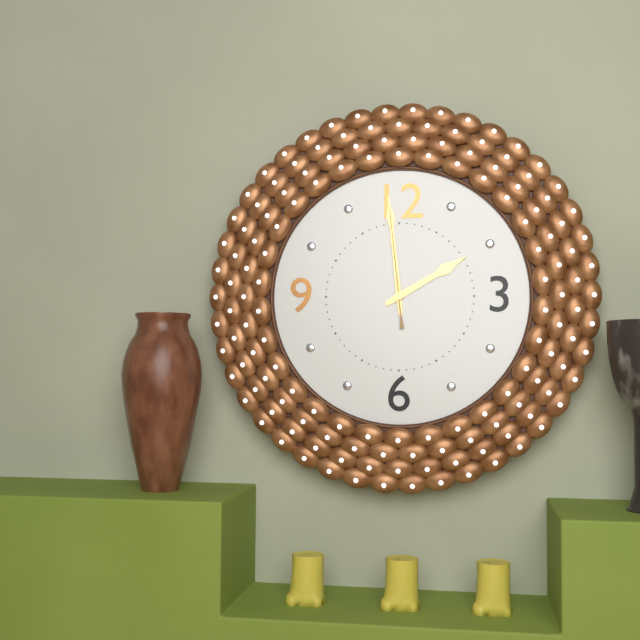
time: **1:59:59**
